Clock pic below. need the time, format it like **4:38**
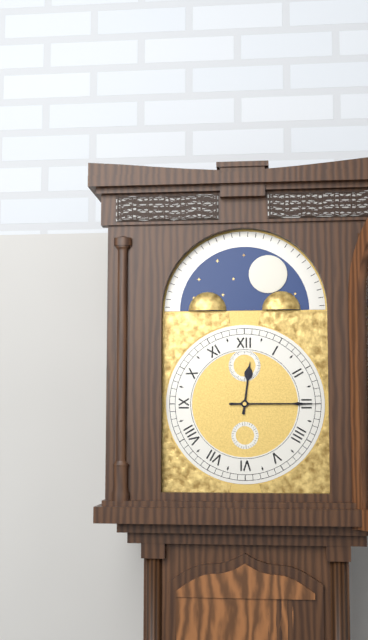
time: **12:15**
